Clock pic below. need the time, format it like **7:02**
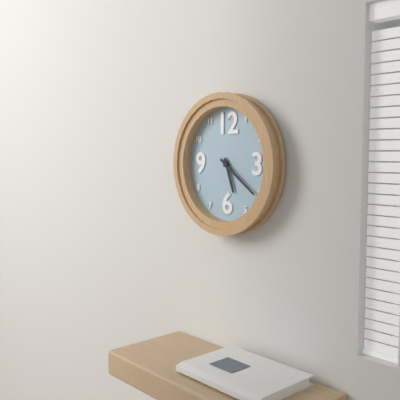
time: **5:21**
